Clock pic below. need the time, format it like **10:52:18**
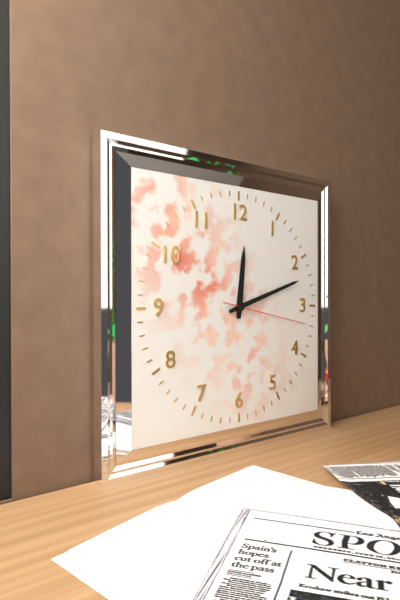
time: **12:12:17**
